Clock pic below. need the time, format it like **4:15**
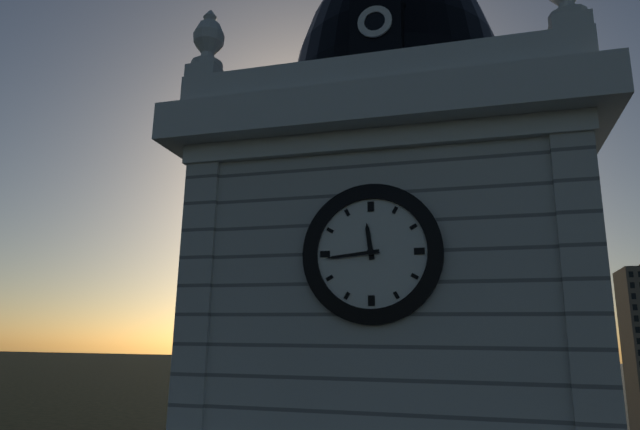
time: **11:44**
